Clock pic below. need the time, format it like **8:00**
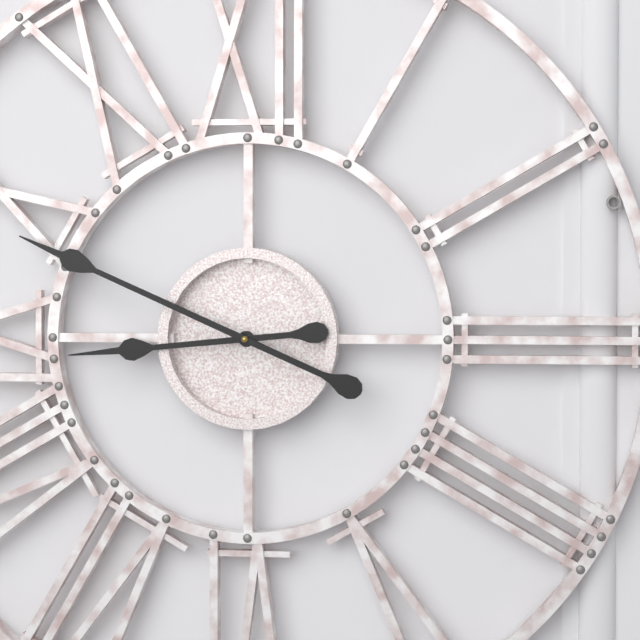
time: **8:49**
